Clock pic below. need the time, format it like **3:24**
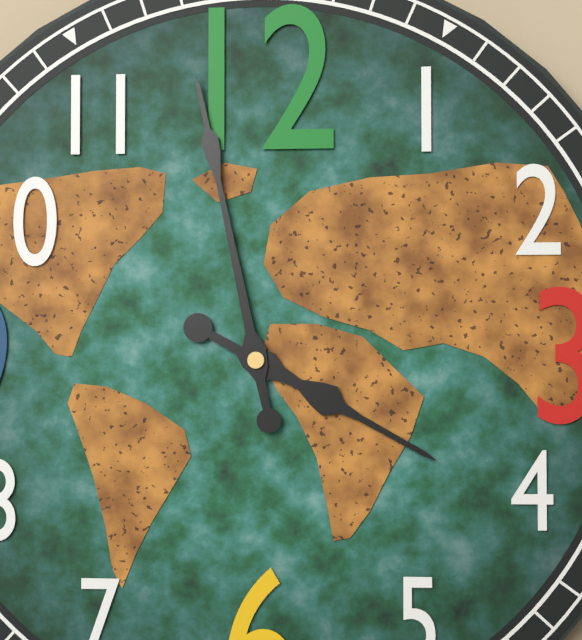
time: **3:58**
